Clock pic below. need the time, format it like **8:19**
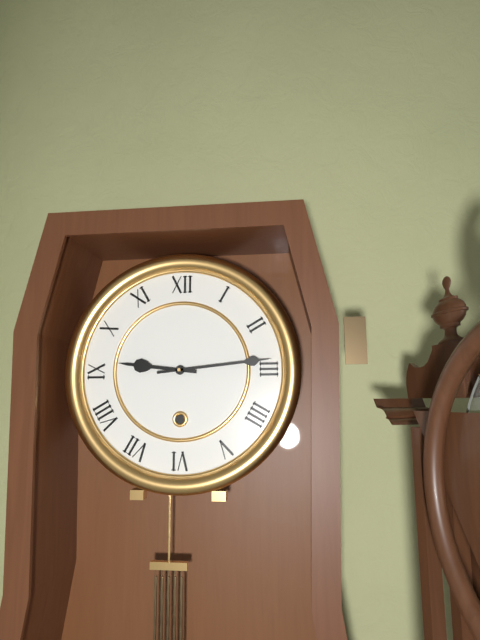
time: **9:14**
